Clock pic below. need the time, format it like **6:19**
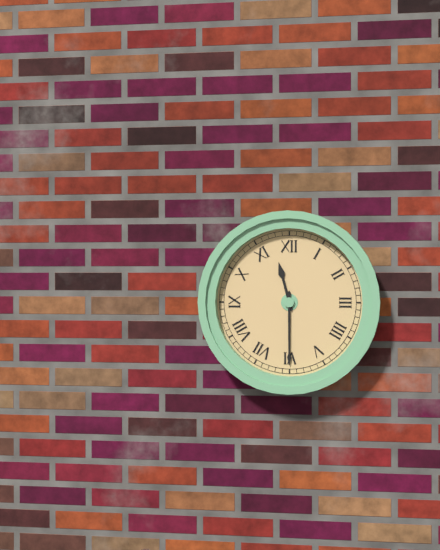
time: **11:30**
